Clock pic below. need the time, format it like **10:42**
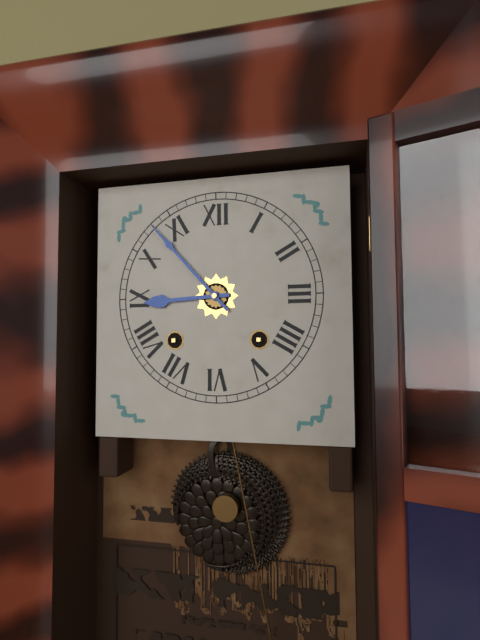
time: **8:53**
